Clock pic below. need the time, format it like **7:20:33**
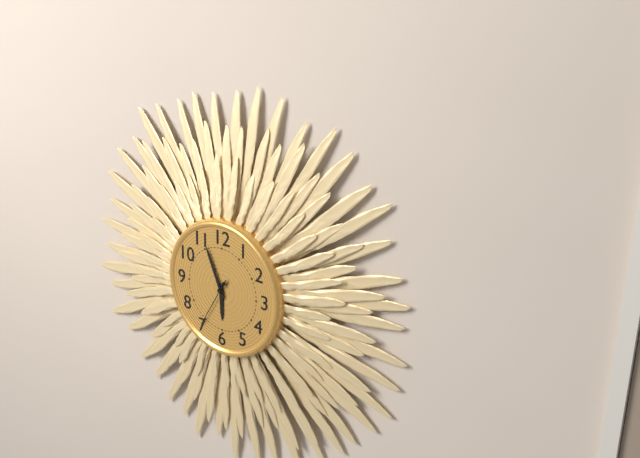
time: **5:56:35**
